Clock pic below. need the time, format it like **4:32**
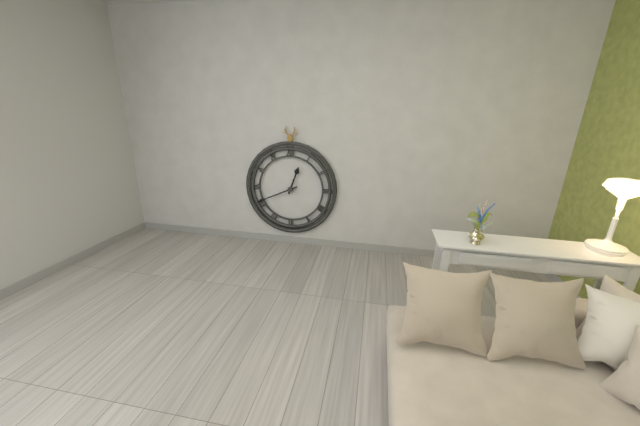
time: **12:41**
